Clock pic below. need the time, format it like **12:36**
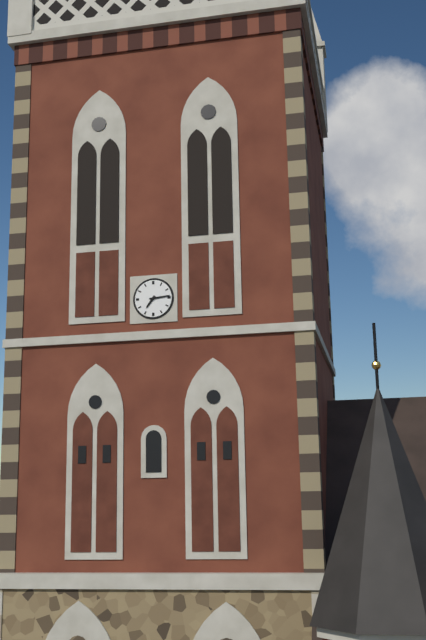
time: **7:14**
